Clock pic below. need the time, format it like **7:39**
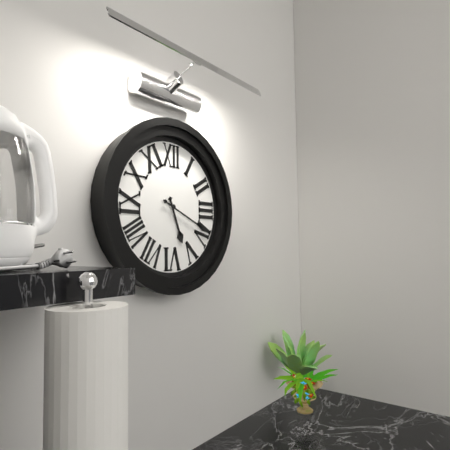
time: **5:19**
